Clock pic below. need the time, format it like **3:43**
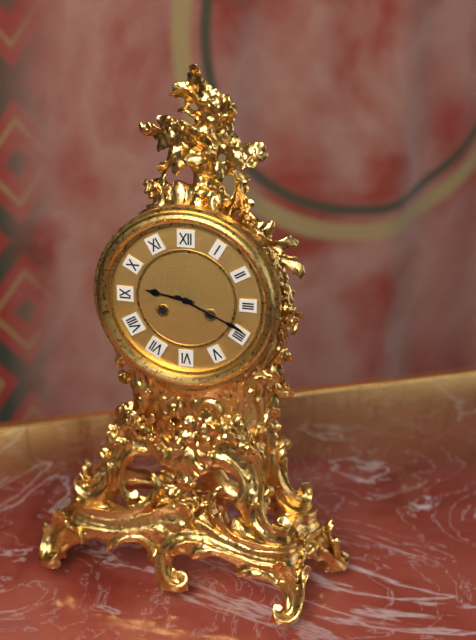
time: **9:19**
